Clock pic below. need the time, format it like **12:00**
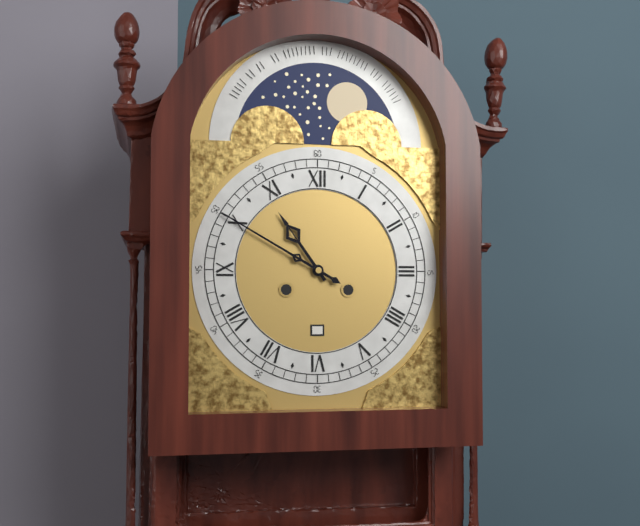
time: **10:50**
